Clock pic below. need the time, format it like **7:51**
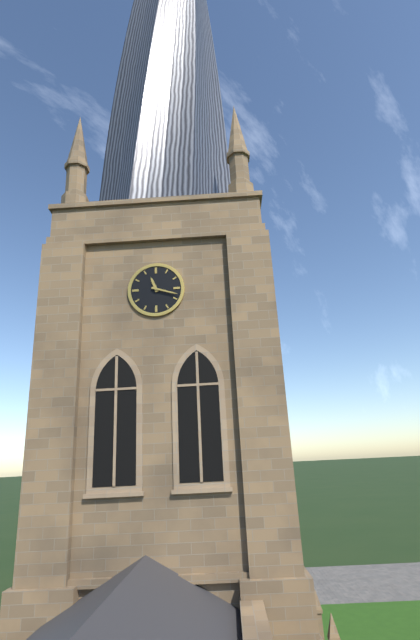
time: **11:18**
